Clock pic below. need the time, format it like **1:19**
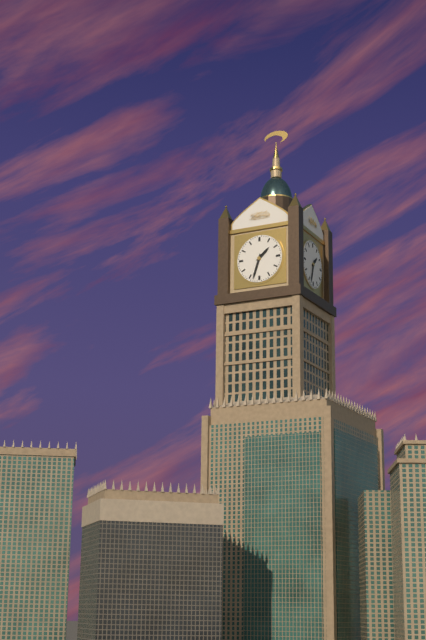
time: **1:33**
